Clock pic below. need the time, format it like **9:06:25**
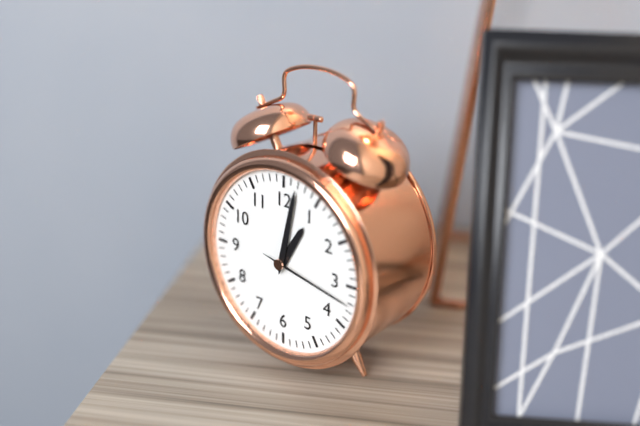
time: **1:02:17**
